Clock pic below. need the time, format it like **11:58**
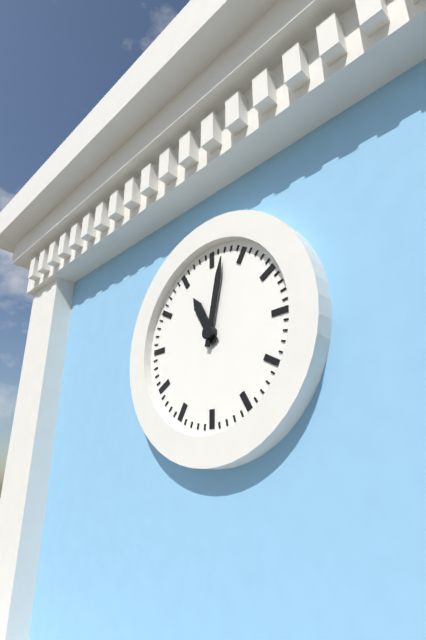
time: **11:02**
